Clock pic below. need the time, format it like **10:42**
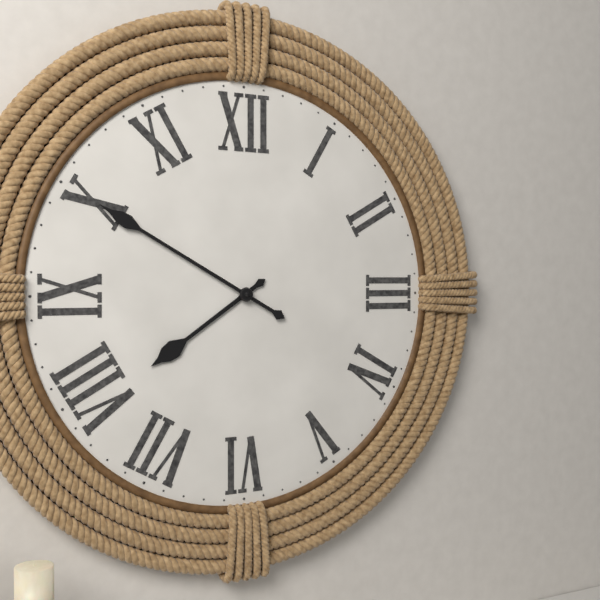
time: **7:50**
